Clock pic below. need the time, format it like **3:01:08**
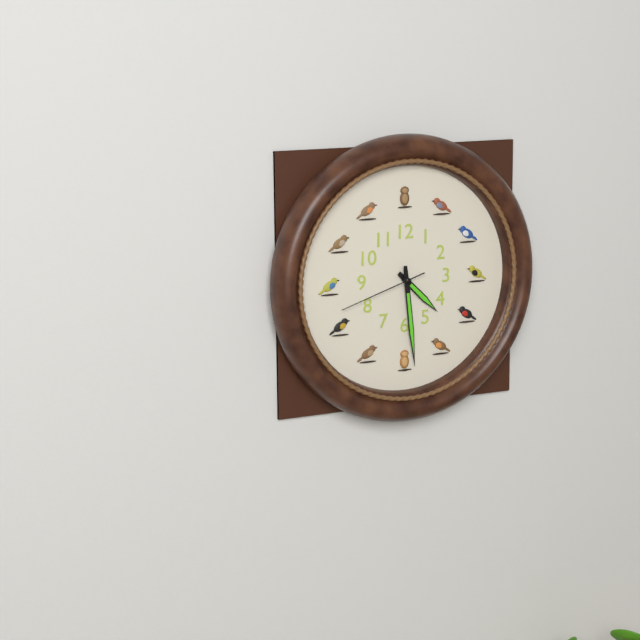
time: **4:29:42**
